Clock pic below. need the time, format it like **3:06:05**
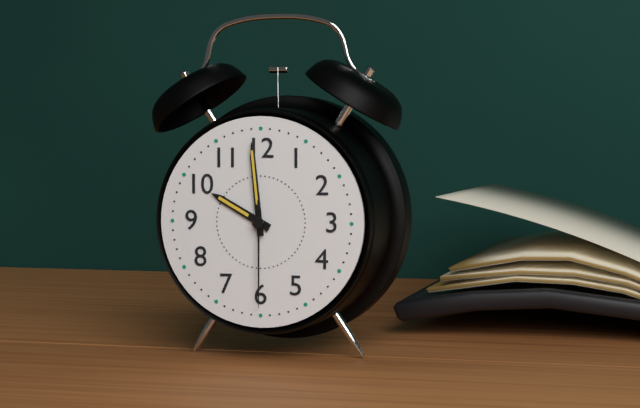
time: **9:59:30**
